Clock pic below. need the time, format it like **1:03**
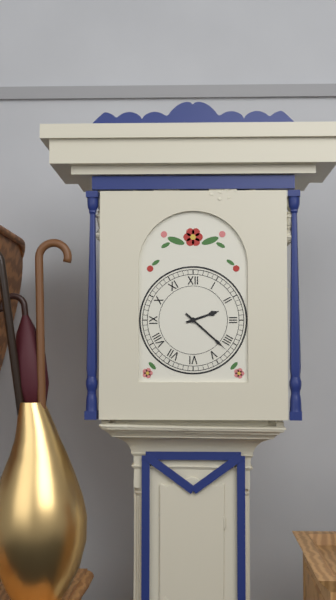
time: **2:22**
